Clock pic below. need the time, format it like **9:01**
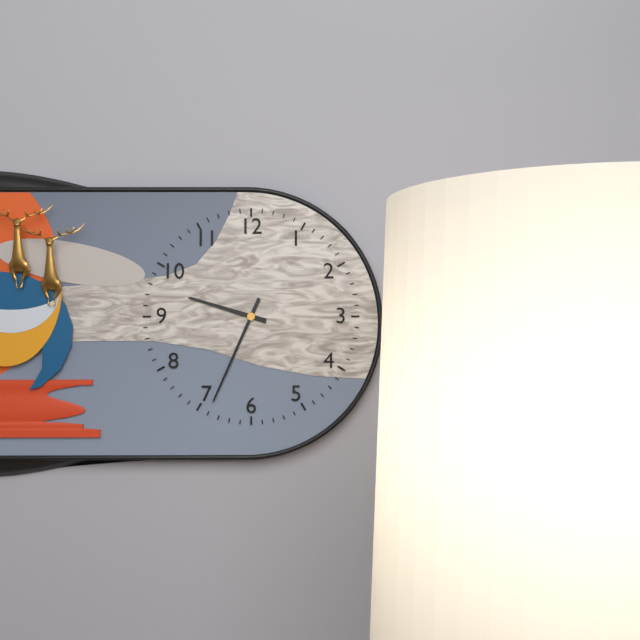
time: **9:34**
